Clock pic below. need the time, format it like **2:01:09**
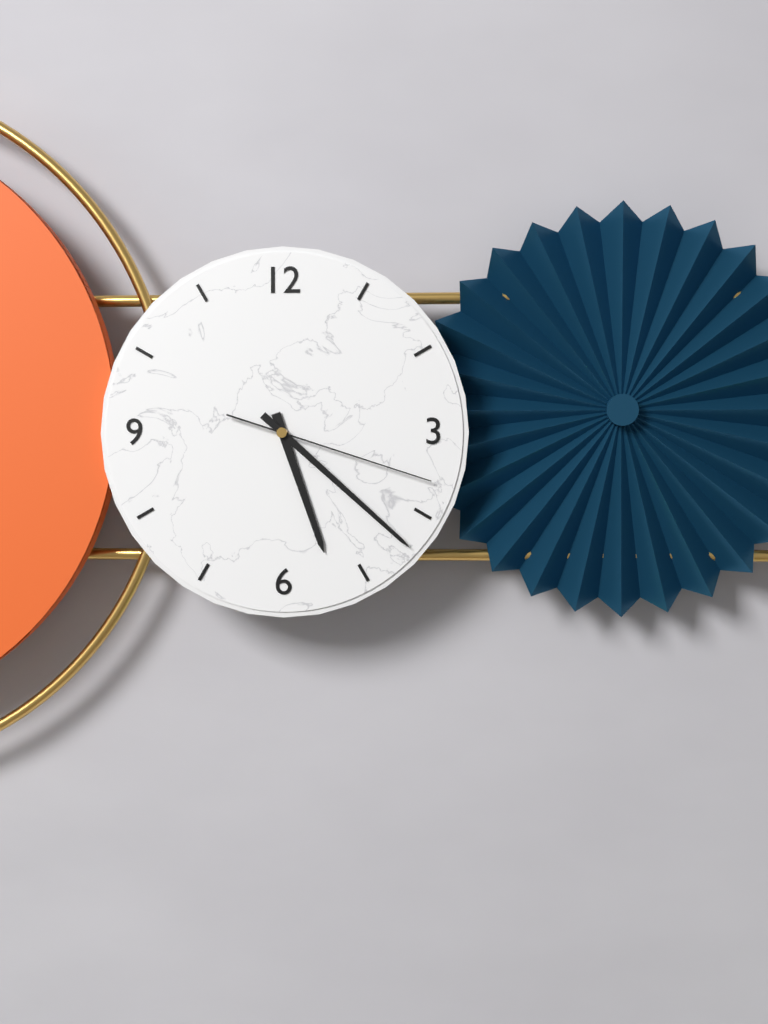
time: **5:22:18**
